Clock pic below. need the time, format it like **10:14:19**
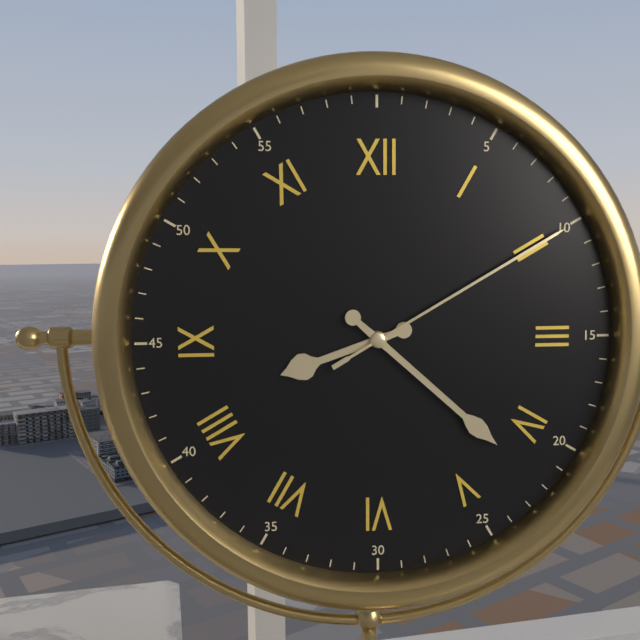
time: **8:22:10**
